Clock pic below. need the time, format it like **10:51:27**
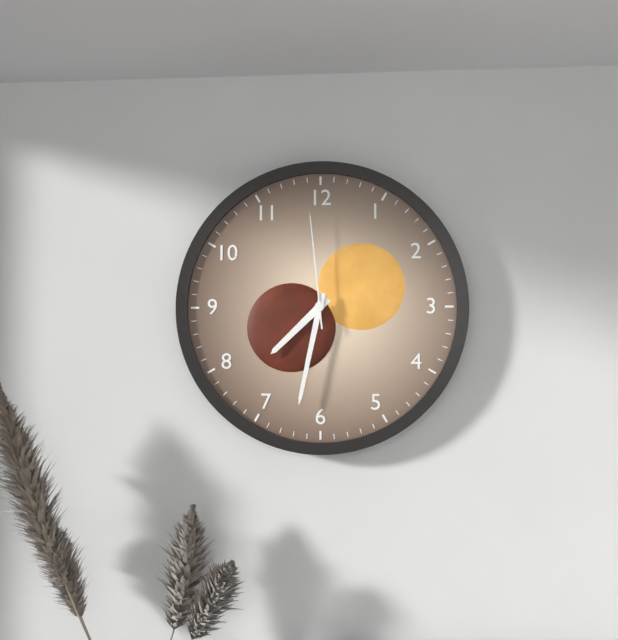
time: **7:32:59**
